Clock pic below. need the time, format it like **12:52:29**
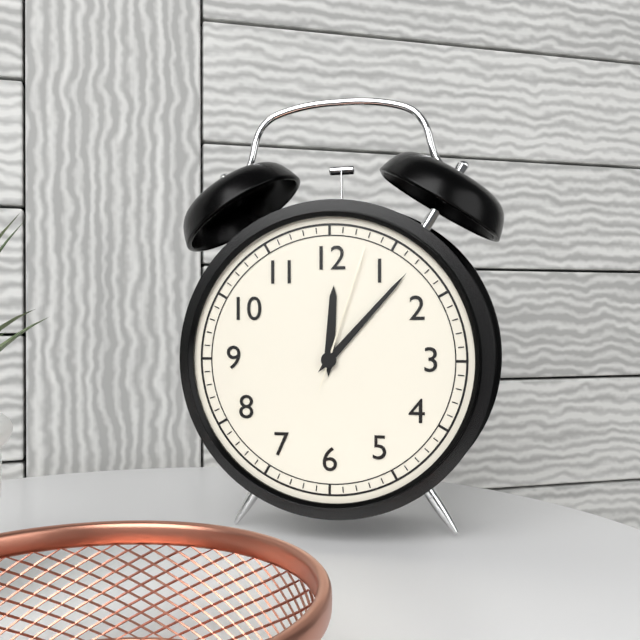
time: **12:07:03**
